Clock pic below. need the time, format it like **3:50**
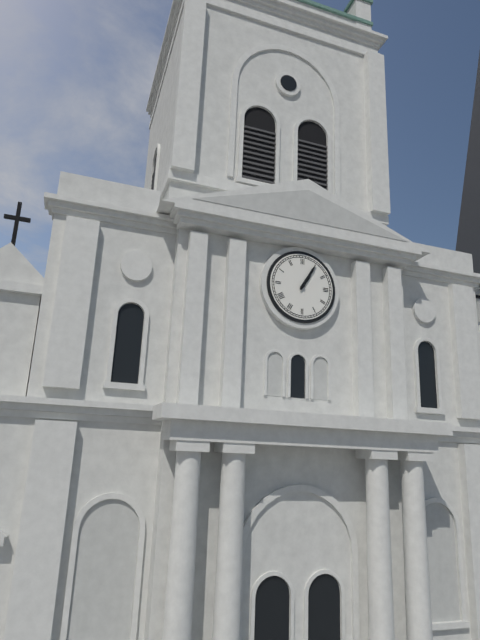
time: **1:05**
